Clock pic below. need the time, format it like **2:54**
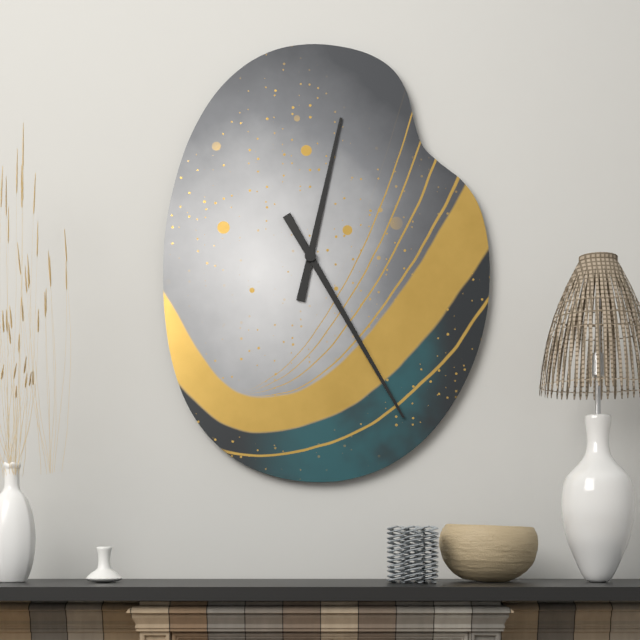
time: **12:25**
